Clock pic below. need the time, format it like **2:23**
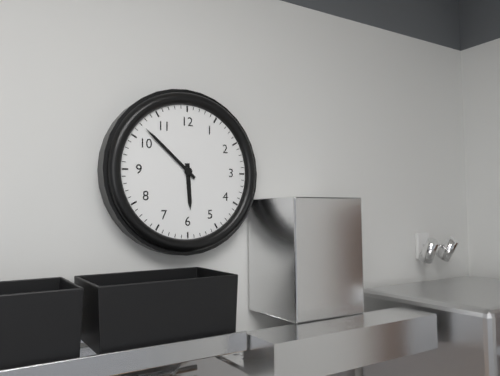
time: **5:52**
